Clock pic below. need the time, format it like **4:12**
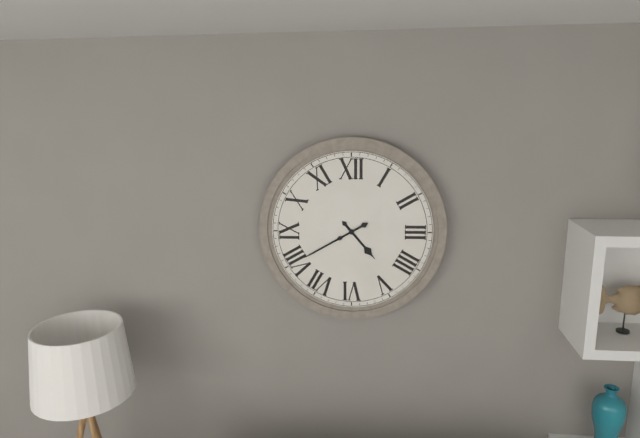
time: **4:40**
